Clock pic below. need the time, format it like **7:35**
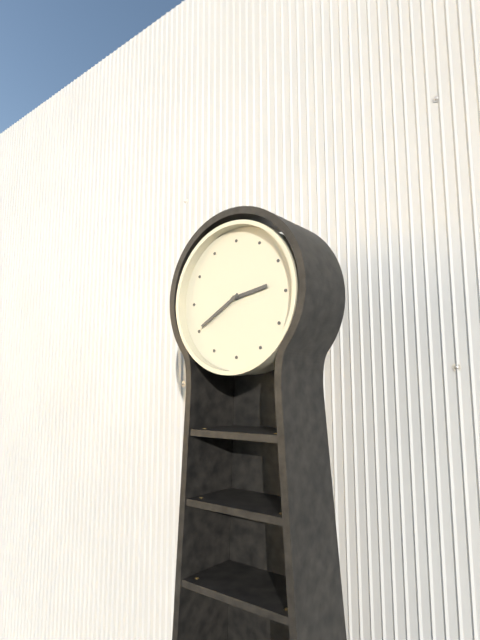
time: **2:40**
